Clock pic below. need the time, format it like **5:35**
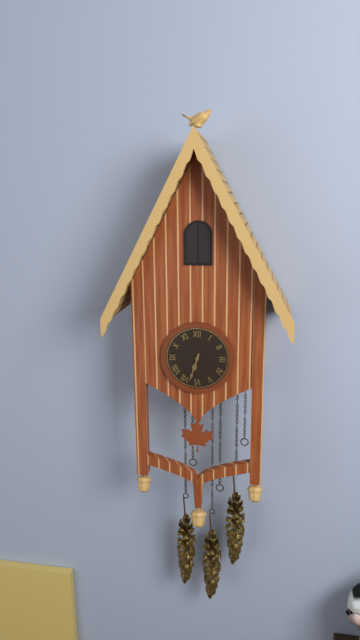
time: **6:33**
